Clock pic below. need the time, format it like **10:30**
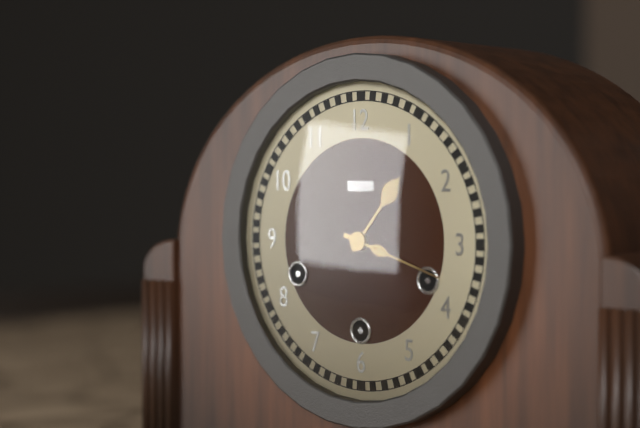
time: **1:18**
